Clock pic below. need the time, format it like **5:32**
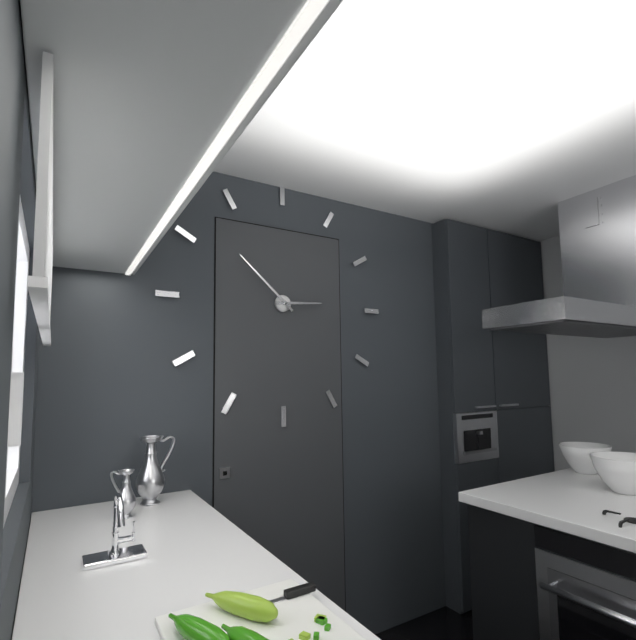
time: **2:52**
